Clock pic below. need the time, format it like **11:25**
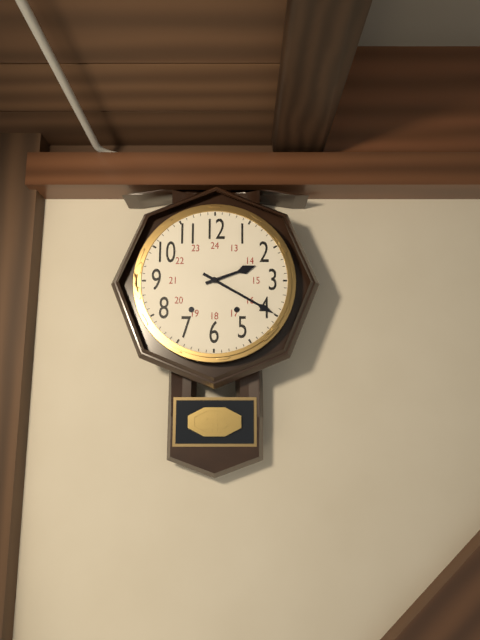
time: **2:20**
